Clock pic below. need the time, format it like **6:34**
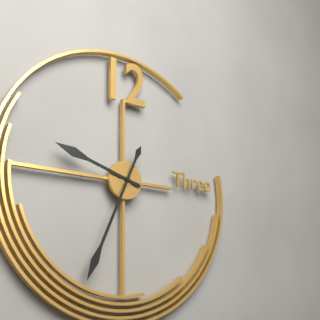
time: **9:34**
